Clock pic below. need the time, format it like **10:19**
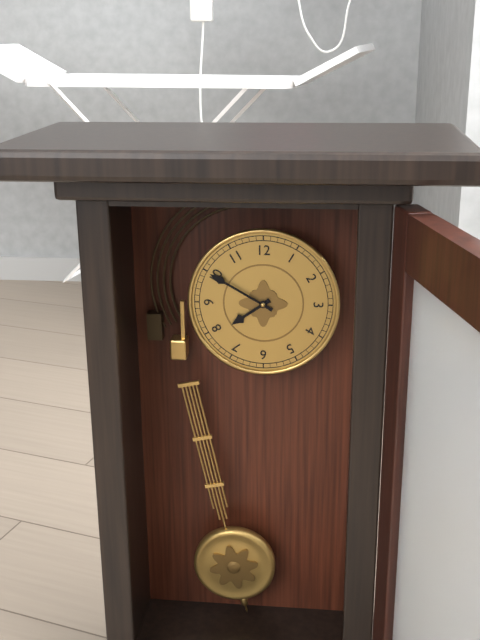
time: **7:50**
